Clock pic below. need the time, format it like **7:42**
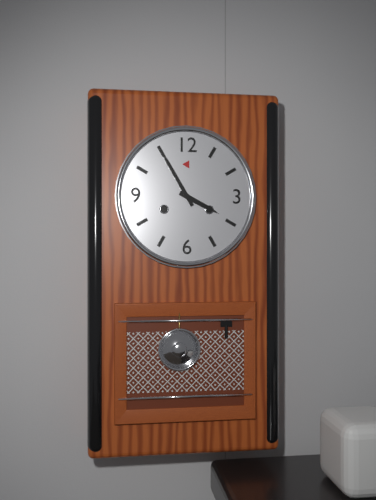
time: **3:55**
